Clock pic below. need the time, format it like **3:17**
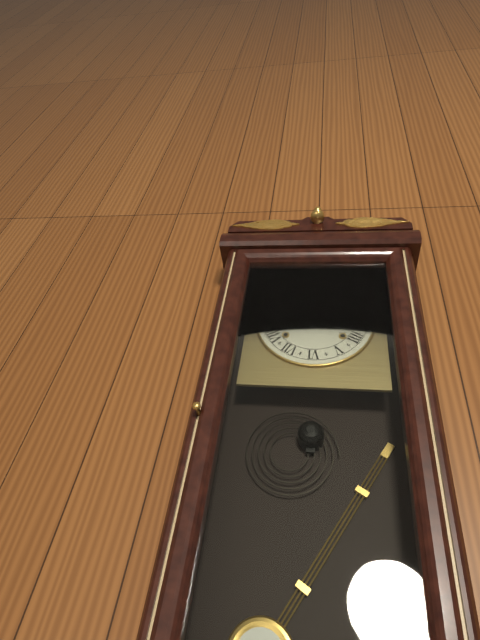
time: **12:53**
